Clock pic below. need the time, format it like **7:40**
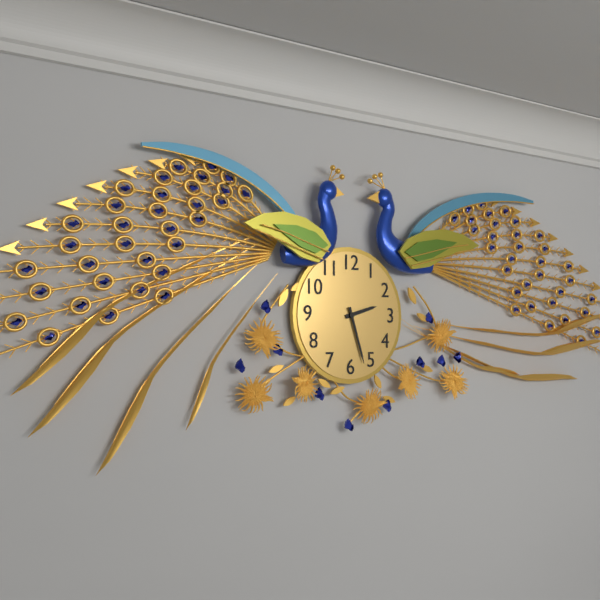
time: **2:27**
